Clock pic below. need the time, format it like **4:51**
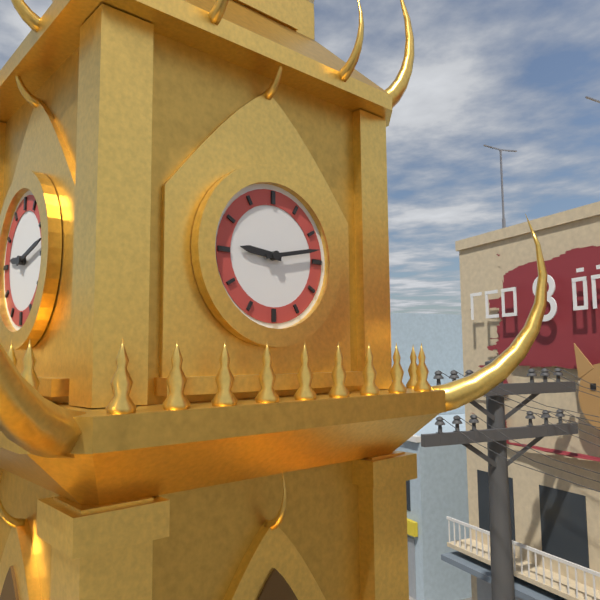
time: **9:13**
